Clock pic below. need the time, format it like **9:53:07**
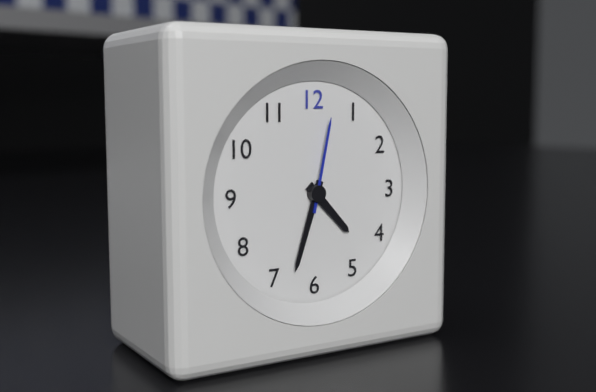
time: **4:33:02**
